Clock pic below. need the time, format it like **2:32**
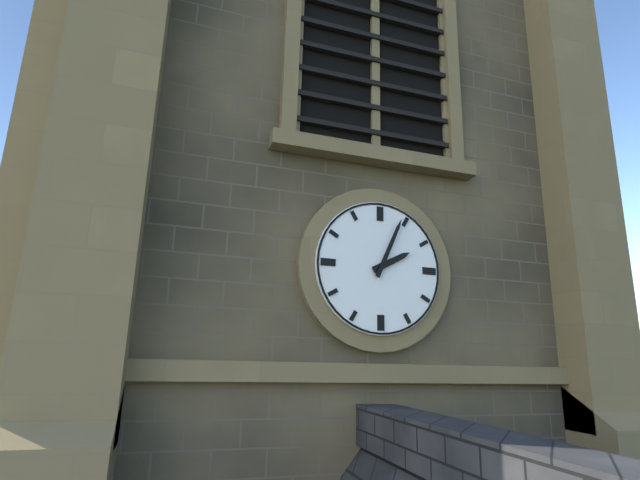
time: **2:04**
